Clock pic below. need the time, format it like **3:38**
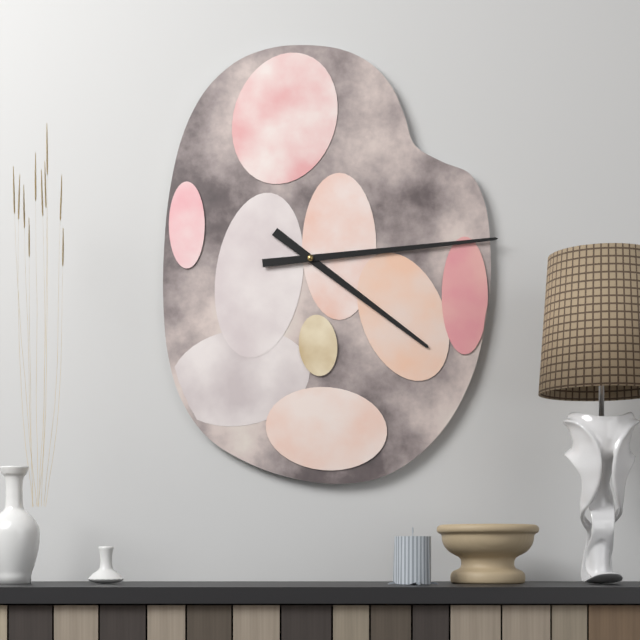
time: **4:14**
